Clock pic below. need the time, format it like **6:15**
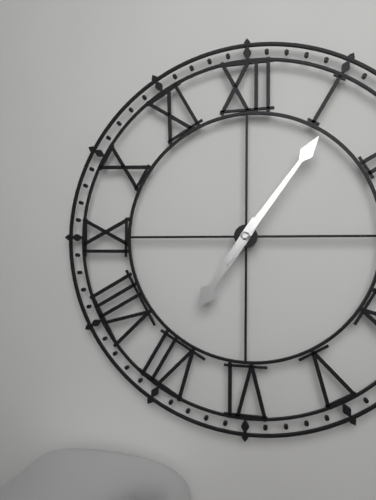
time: **7:06**
